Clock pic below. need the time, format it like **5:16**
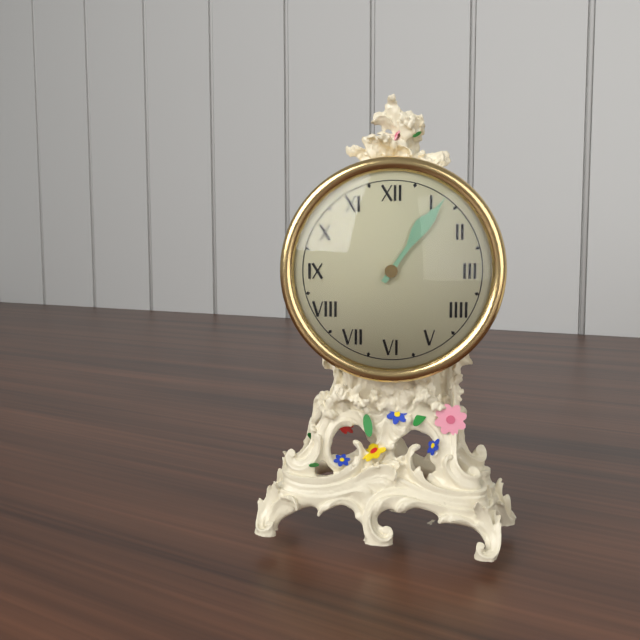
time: **1:06**
